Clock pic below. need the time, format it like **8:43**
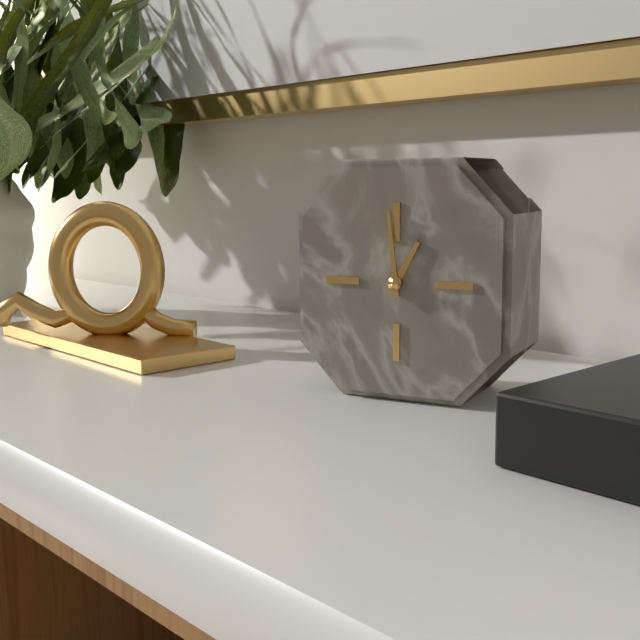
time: **12:59**
